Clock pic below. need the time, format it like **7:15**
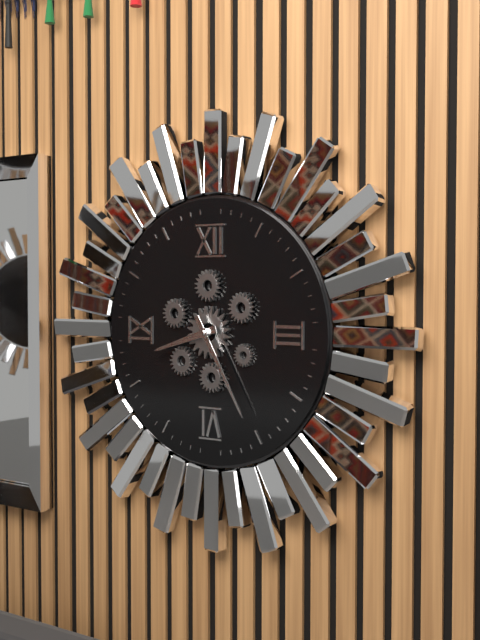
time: **8:25**
